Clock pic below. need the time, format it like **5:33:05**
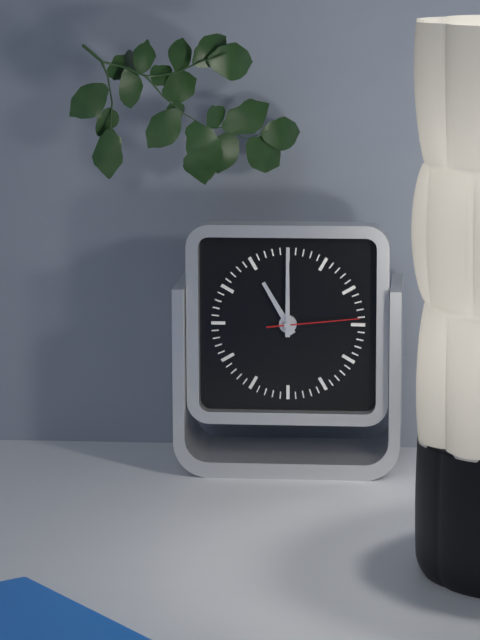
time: **11:00:14**
